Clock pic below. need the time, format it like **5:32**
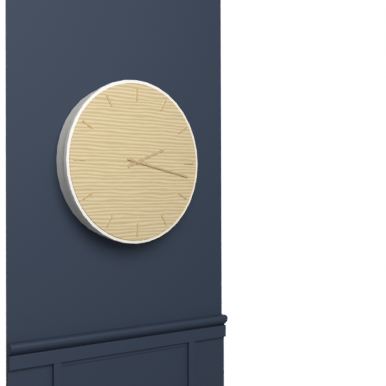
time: **2:17**
